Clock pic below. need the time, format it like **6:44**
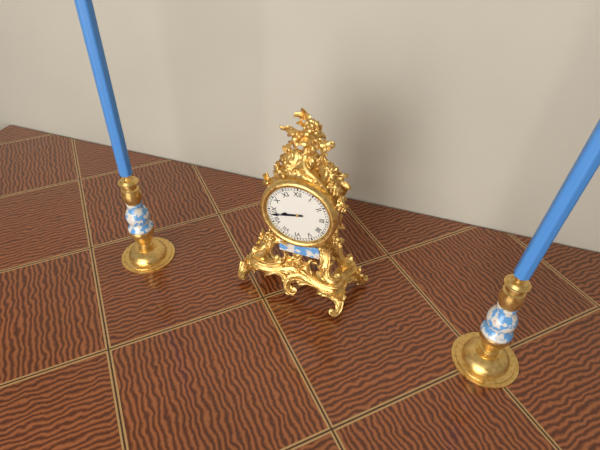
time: **8:43**
